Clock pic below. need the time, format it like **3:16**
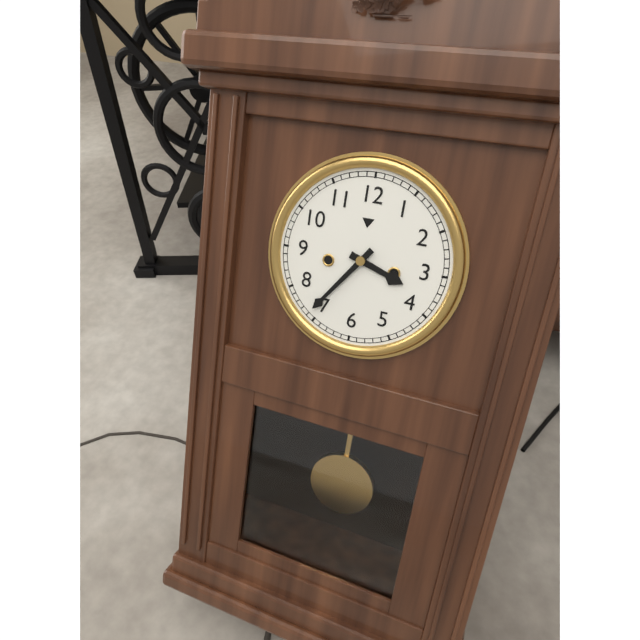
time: **3:36**
